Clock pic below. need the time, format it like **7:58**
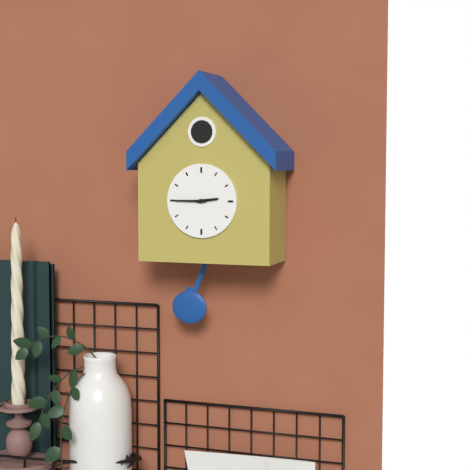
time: **2:45**
